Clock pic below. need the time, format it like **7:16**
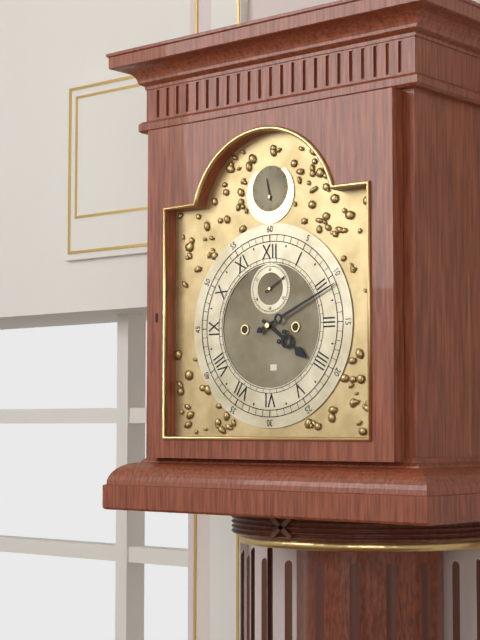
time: **4:11**
